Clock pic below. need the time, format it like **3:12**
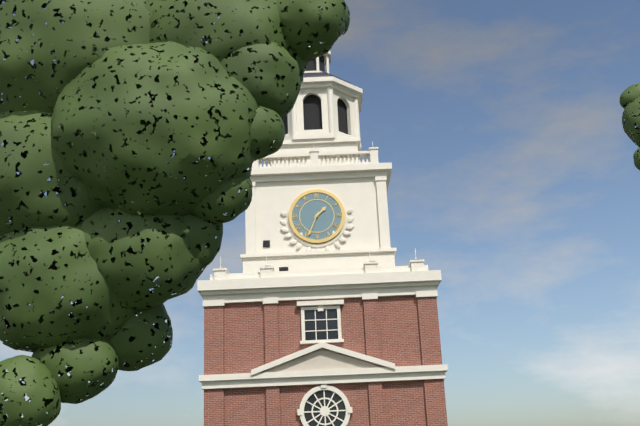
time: **1:34**
